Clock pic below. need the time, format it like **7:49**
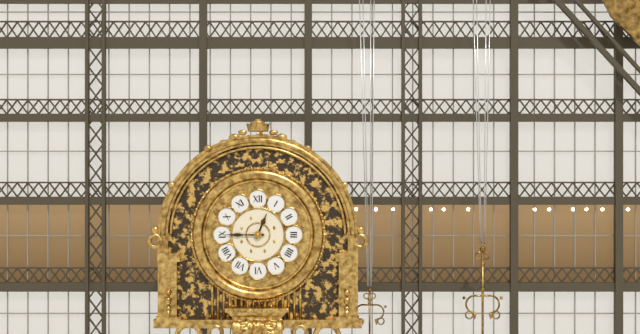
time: **12:45**
